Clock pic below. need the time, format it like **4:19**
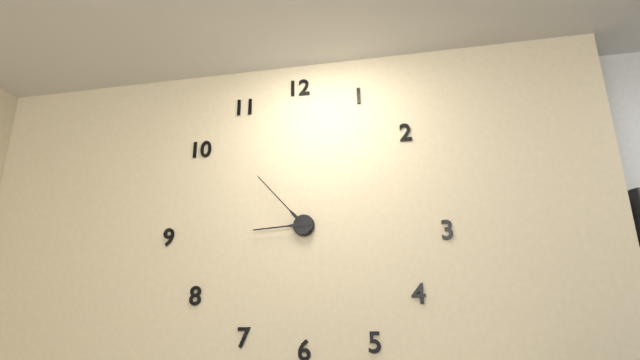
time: **8:53**
